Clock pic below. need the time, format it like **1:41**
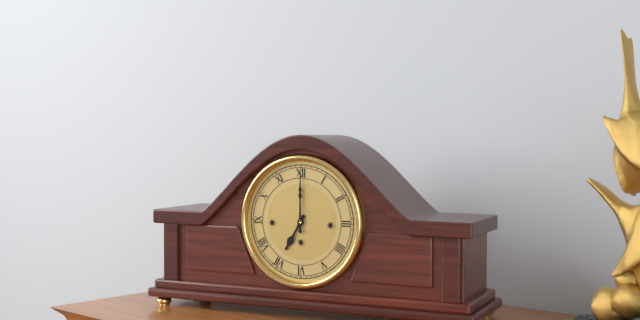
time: **7:00**
